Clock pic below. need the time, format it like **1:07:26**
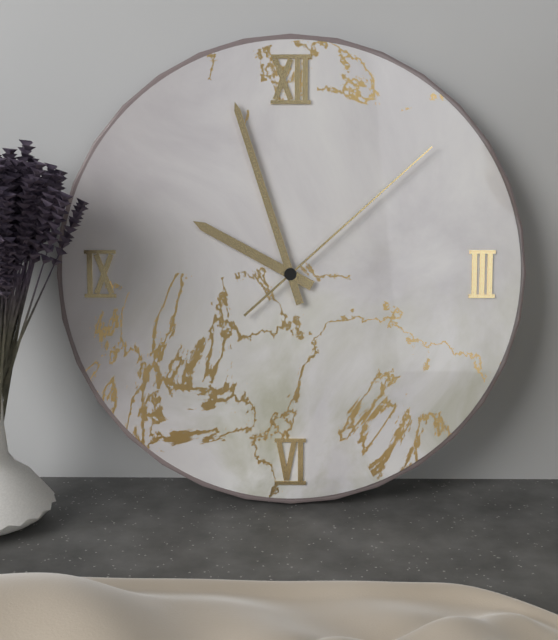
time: **9:57:08**
